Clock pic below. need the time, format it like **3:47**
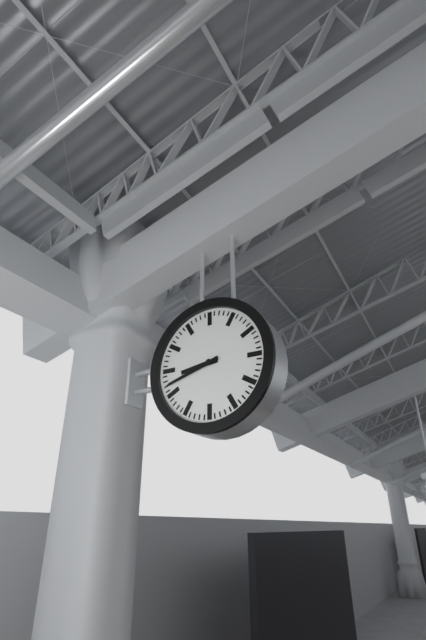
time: **8:42**
